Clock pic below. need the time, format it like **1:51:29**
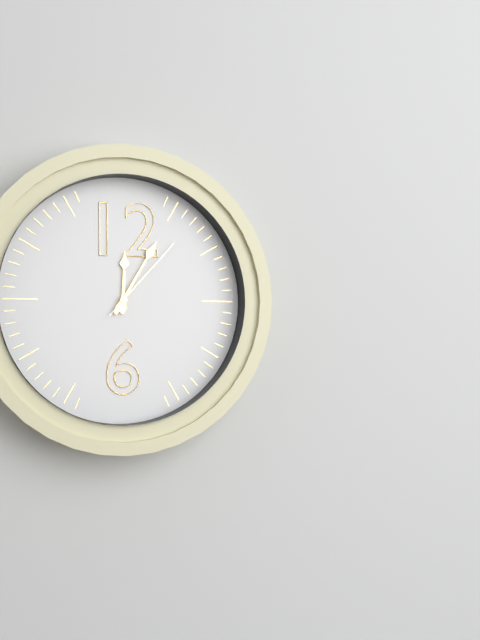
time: **12:05:07**
